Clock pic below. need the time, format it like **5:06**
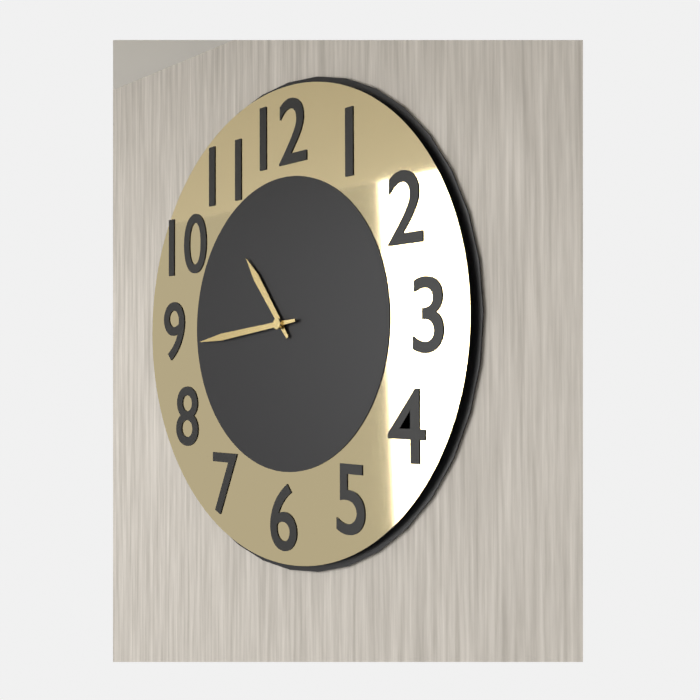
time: **10:44**
